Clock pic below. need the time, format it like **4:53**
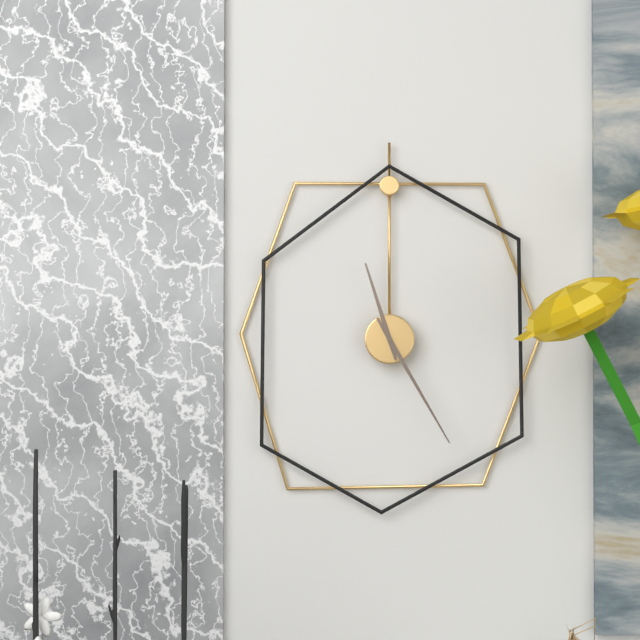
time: **11:25**
